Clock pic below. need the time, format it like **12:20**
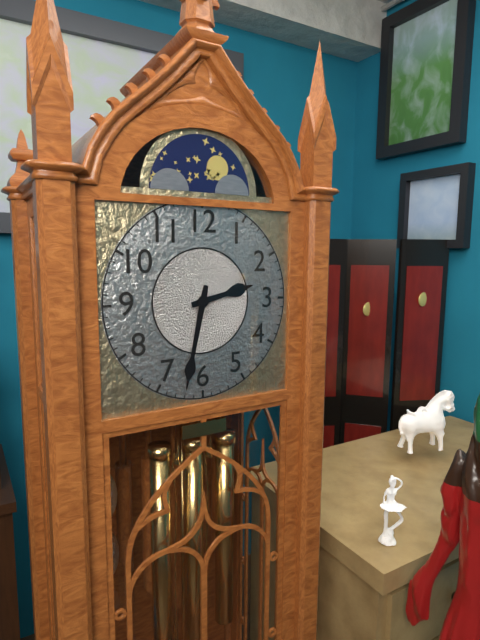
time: **2:32**
